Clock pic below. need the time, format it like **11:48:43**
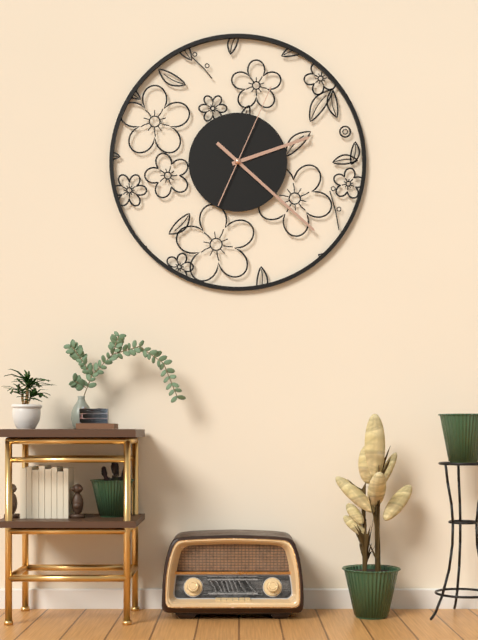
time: **2:22:04**
